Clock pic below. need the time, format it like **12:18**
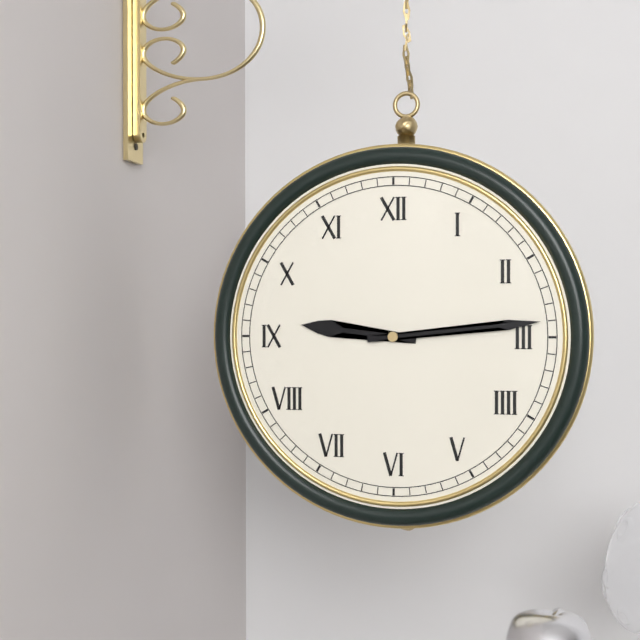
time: **9:14**
